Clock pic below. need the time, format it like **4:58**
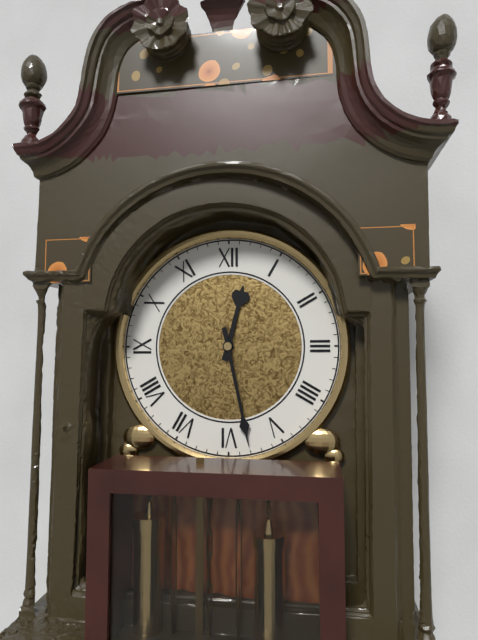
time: **12:28**
